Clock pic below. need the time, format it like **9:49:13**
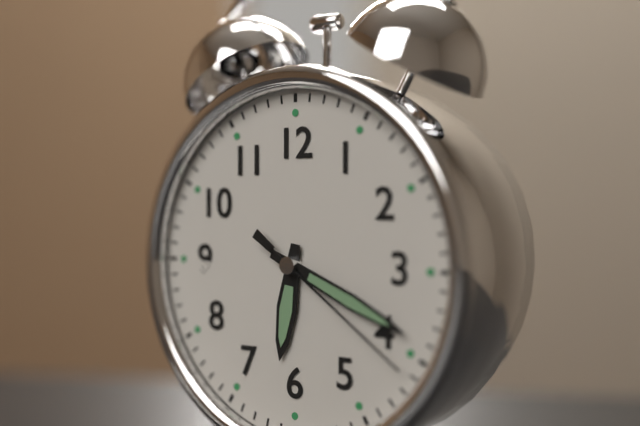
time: **6:19:21**
